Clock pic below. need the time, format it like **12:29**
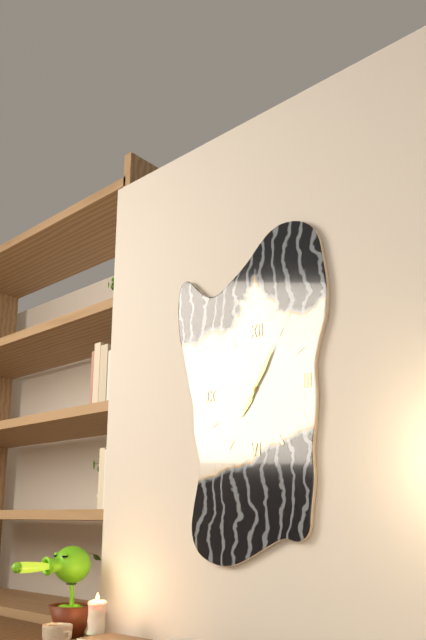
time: **7:05**
